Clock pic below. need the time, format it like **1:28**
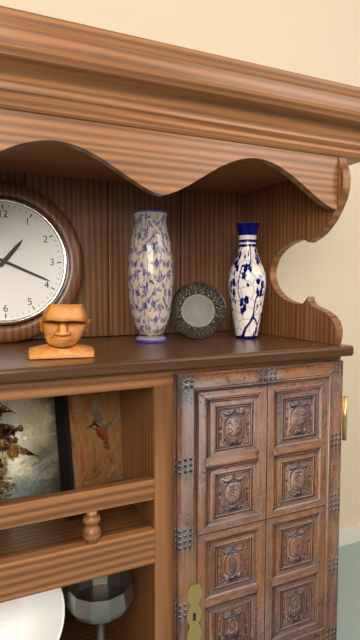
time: **1:19**
